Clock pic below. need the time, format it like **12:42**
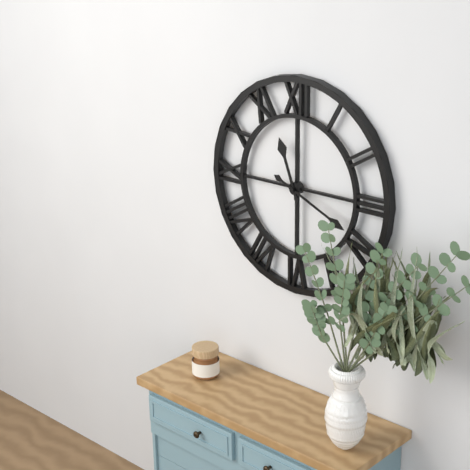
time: **11:19**
